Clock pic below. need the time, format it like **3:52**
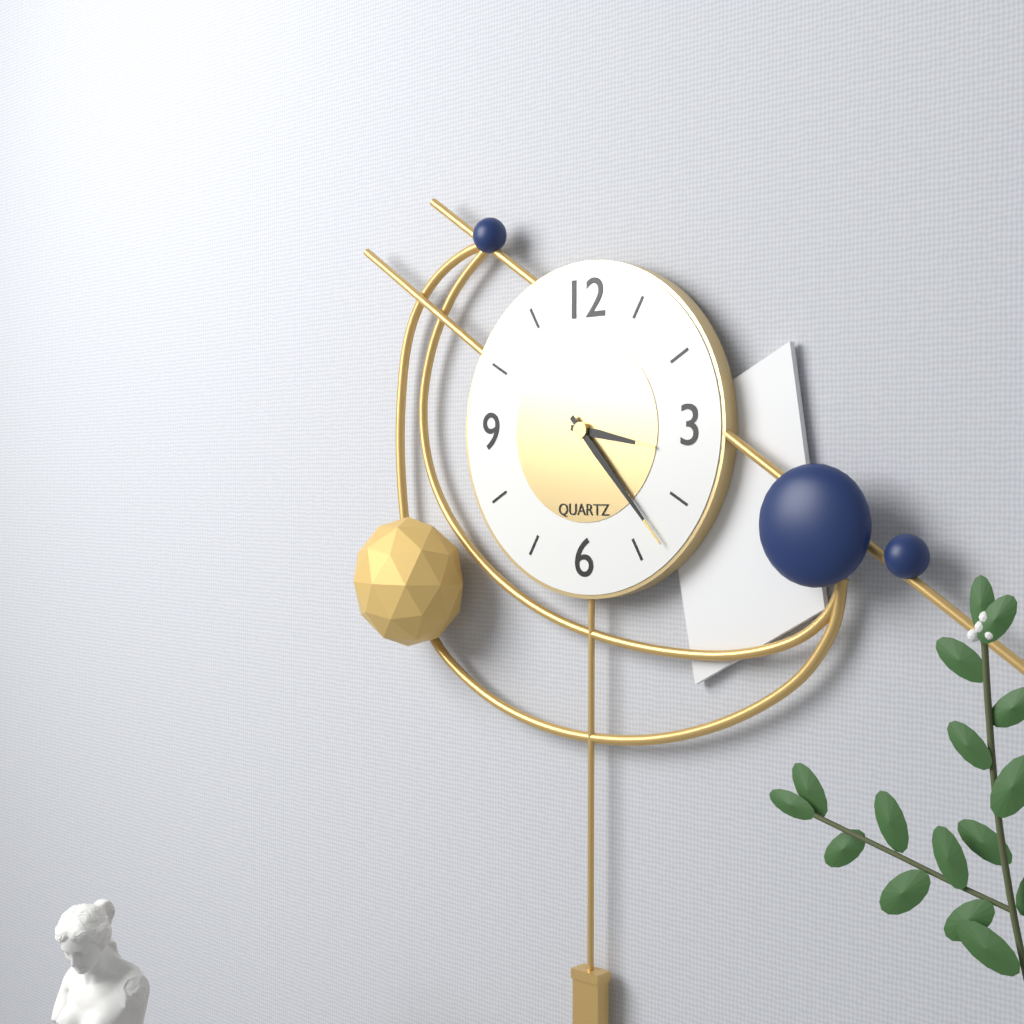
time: **3:23**
